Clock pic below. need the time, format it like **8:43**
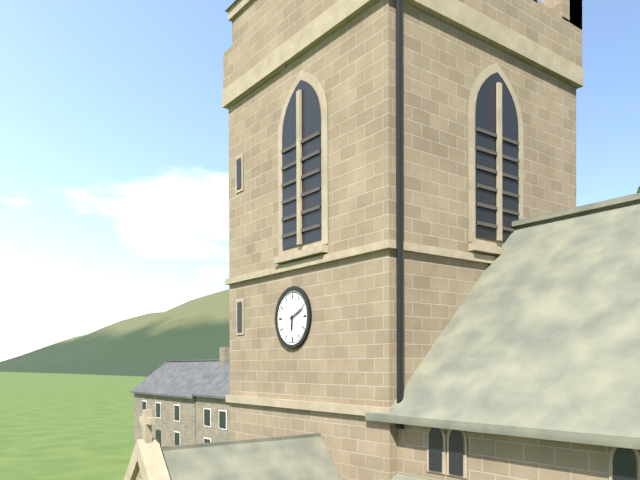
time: **6:11**
